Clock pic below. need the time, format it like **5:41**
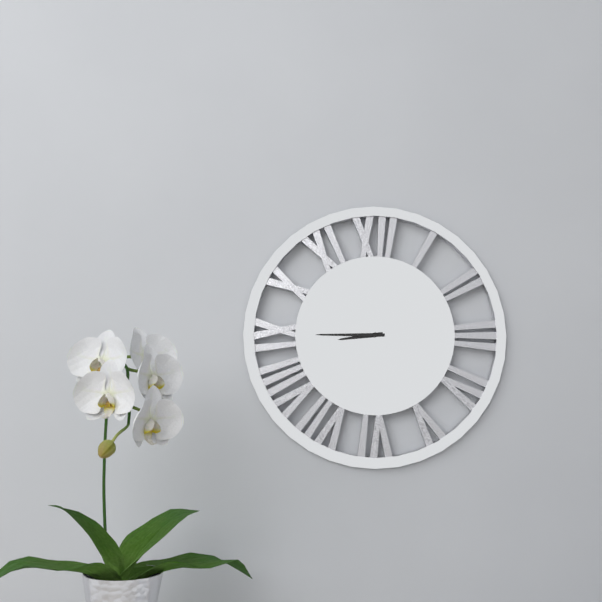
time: **8:45**
